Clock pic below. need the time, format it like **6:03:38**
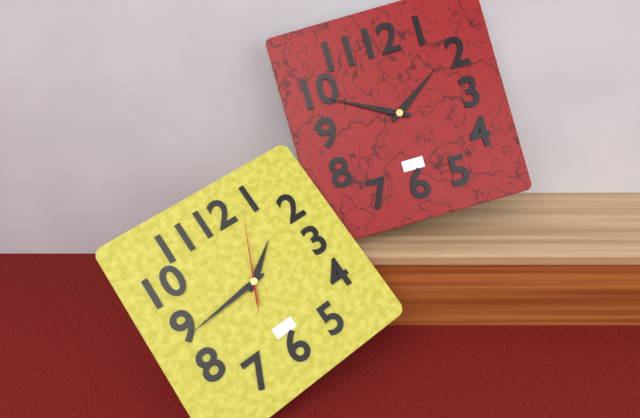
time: **1:44:04**
